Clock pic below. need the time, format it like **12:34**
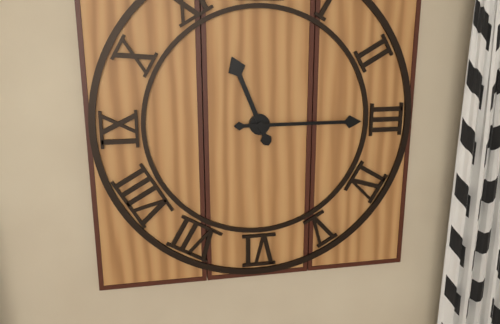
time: **11:15**
